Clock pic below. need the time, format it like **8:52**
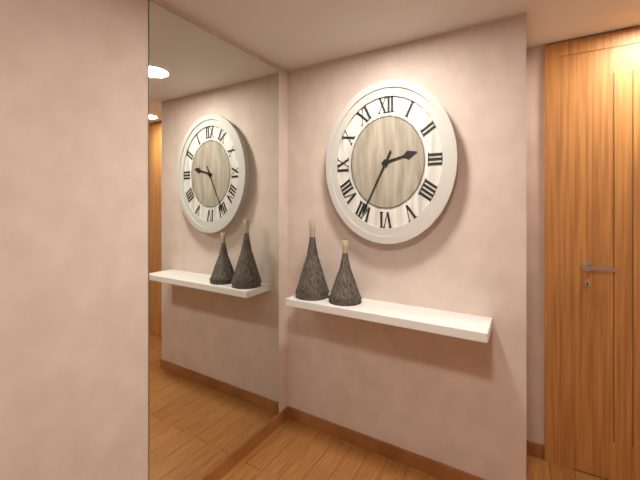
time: **2:35**
